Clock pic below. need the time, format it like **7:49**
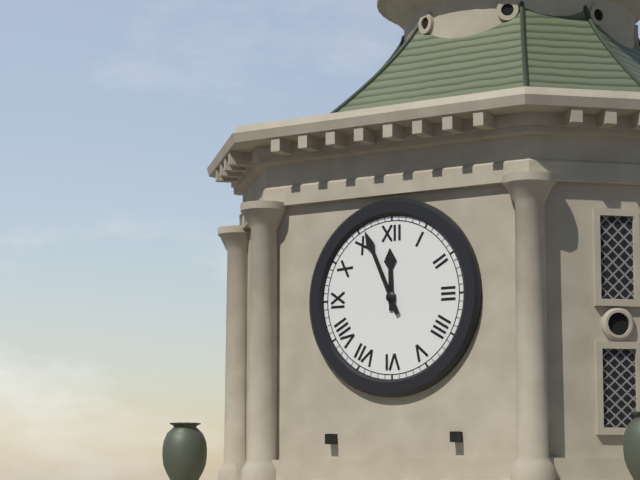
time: **11:56**
